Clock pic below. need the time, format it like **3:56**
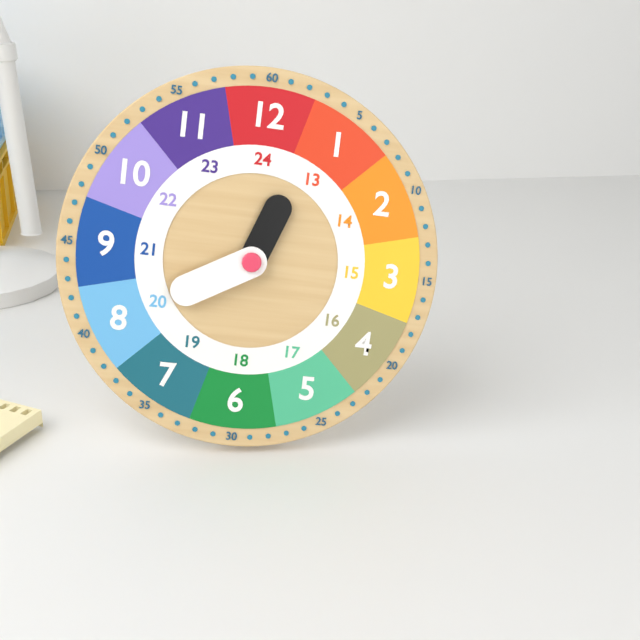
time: **12:40**
